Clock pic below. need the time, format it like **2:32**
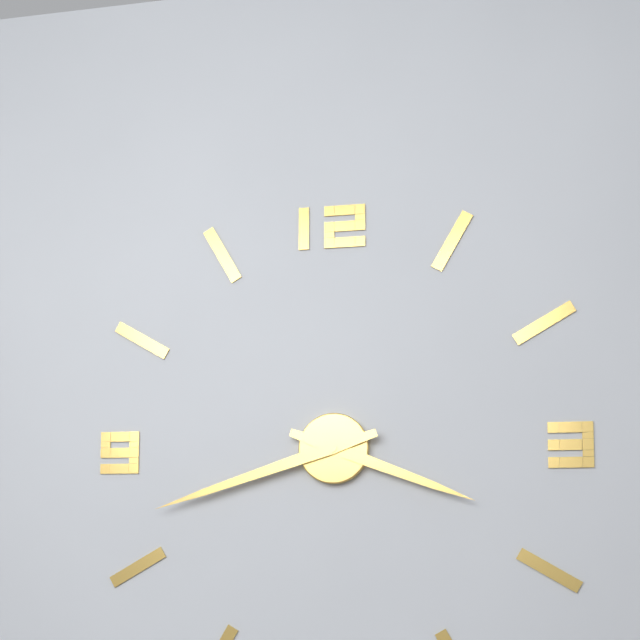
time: **3:42**
